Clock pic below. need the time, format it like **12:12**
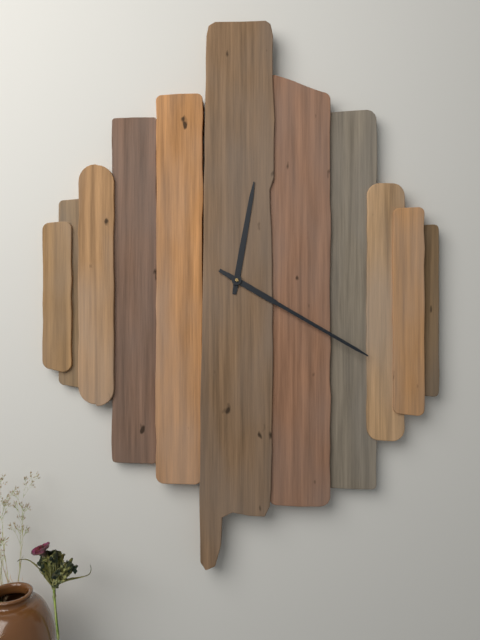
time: **12:20**
